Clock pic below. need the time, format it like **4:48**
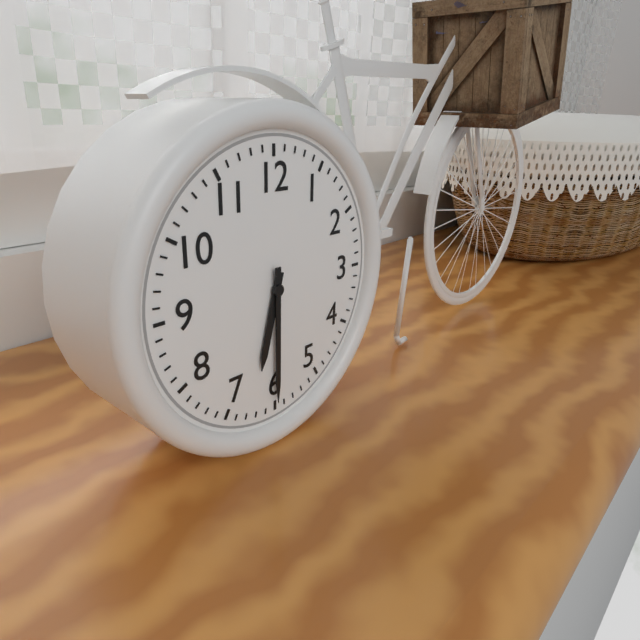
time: **6:30**
